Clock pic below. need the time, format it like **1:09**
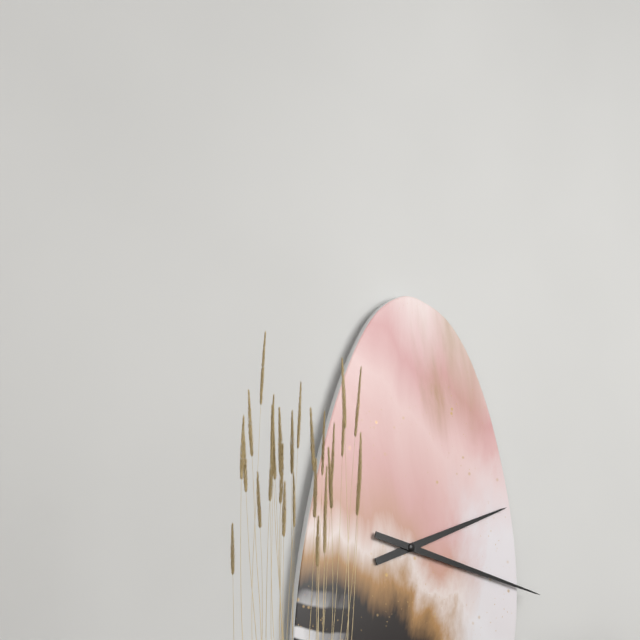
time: **2:17**
